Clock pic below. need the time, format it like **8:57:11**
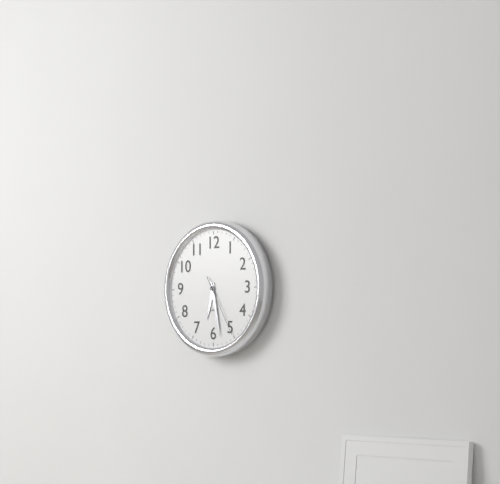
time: **6:28:25**
